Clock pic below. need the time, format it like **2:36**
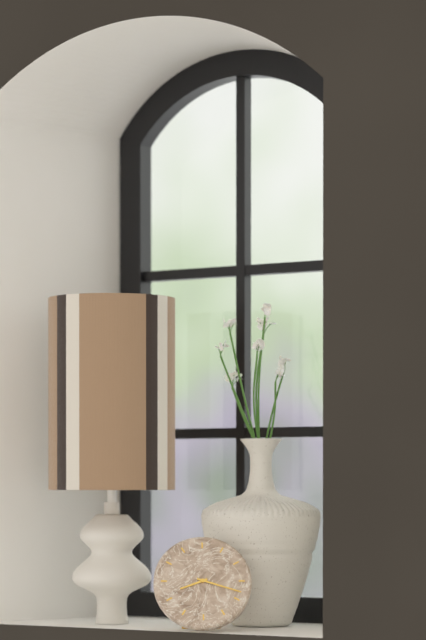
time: **8:18**
